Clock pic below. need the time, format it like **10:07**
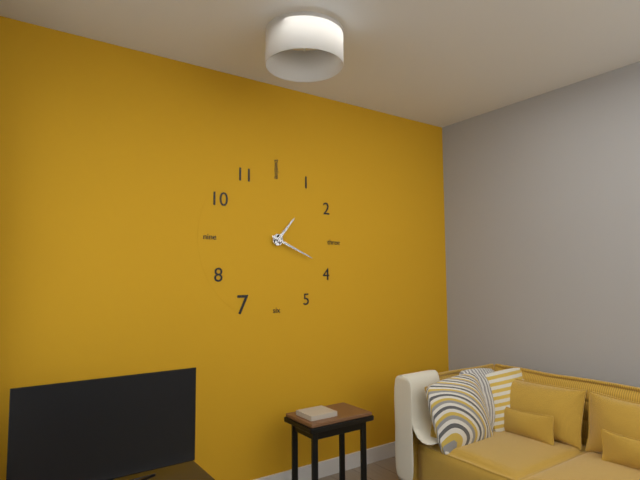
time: **1:19**
